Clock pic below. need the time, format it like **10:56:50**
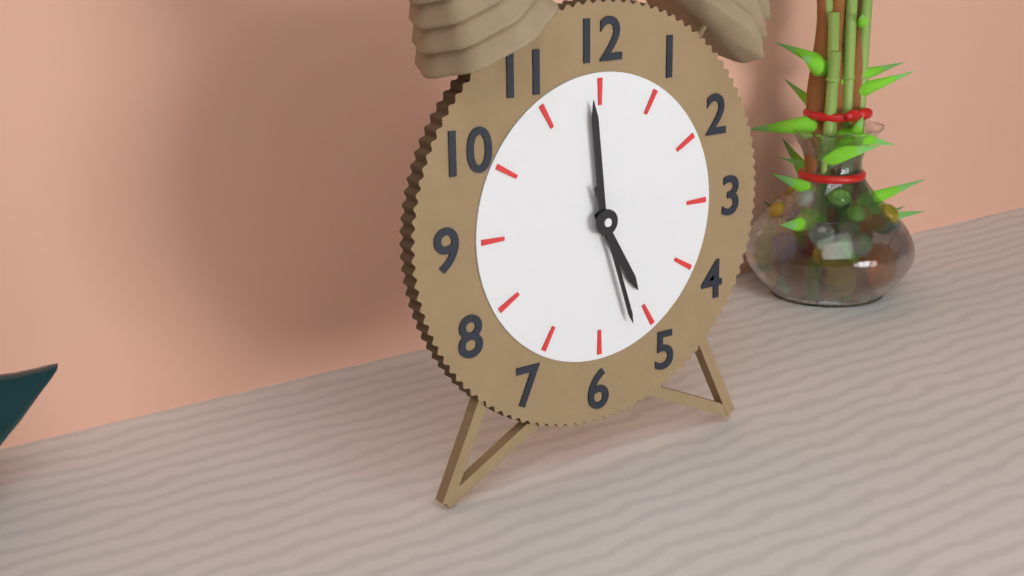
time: **4:59:27**
